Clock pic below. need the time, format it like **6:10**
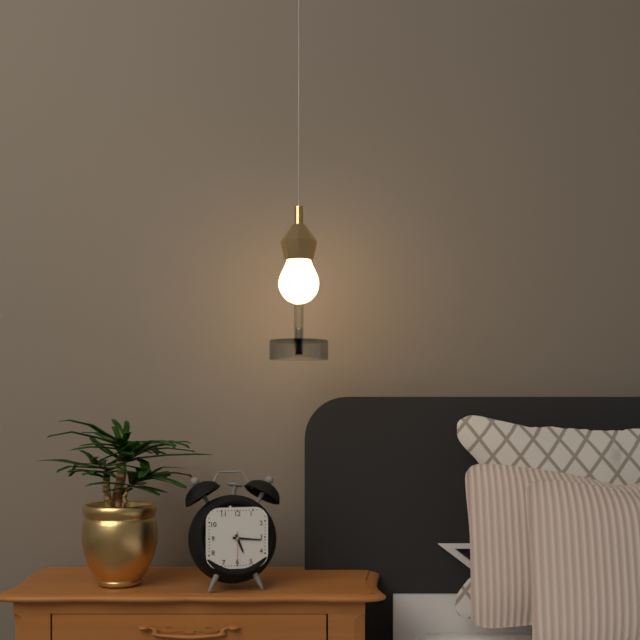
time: **5:16**
